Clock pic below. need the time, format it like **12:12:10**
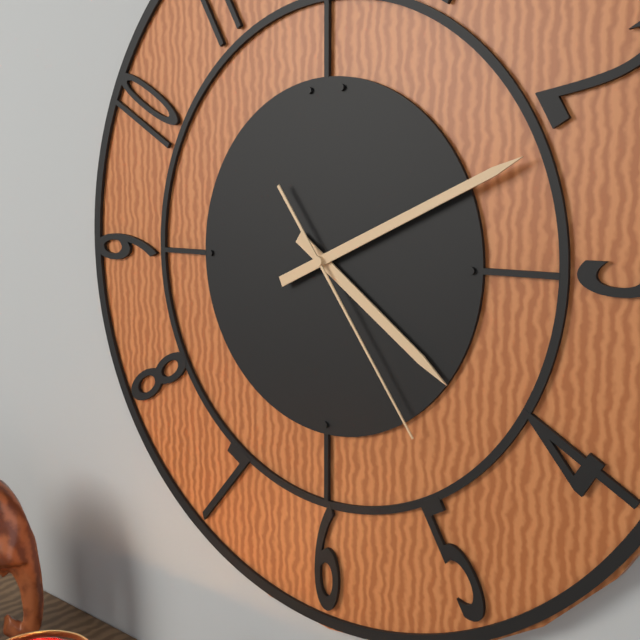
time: **4:11:24**
